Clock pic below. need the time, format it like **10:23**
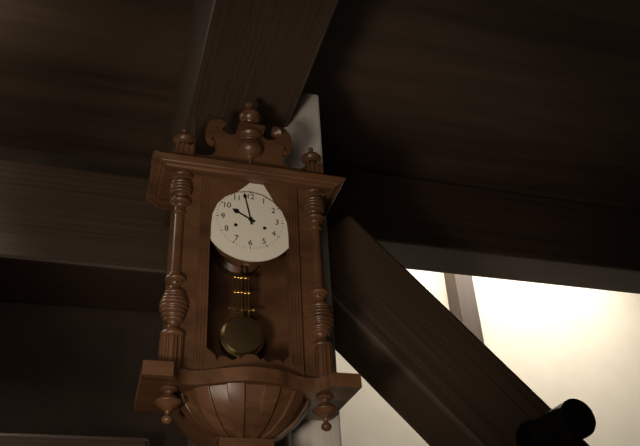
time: **9:58**
